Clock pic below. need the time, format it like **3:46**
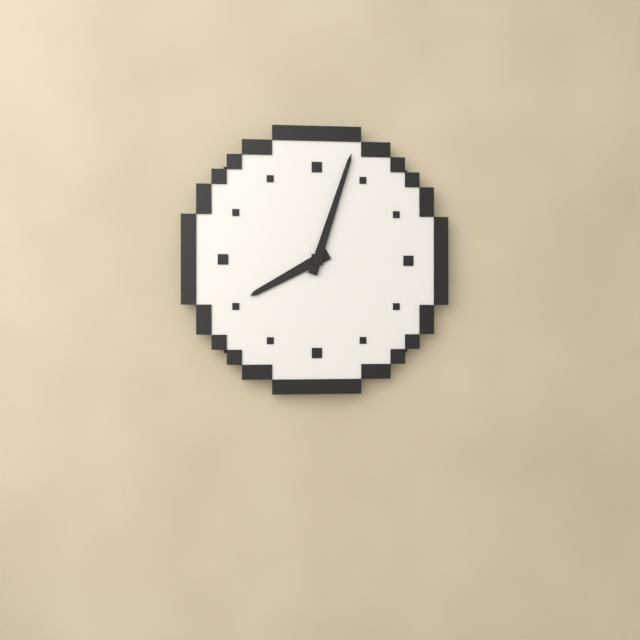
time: **8:03**
